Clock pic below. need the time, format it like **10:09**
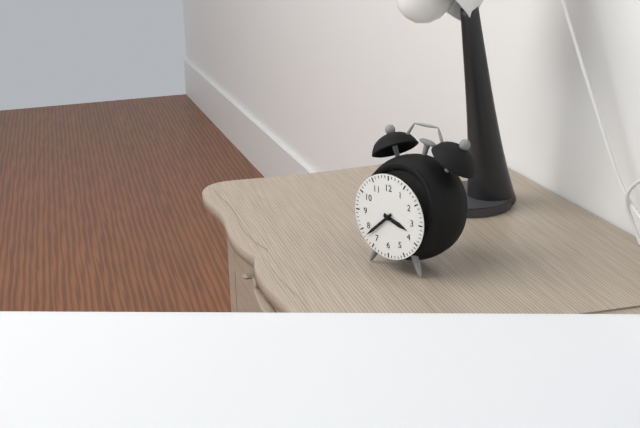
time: **3:38**
